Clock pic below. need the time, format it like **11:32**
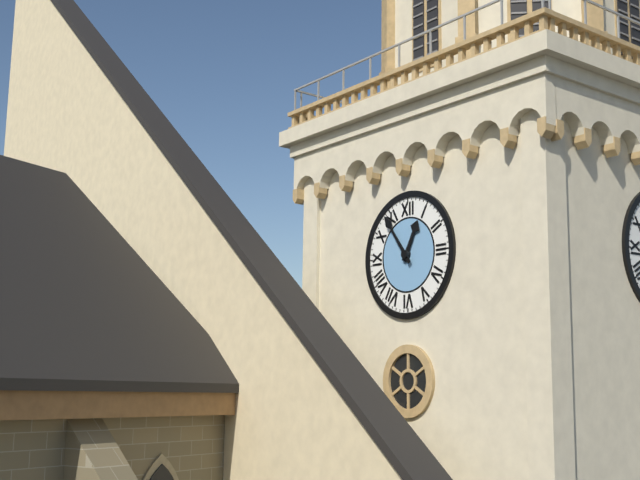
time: **12:54**
